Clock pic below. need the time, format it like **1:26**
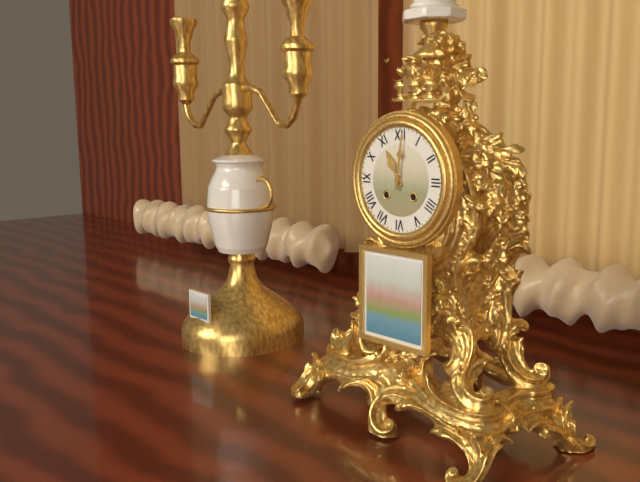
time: **11:01**
